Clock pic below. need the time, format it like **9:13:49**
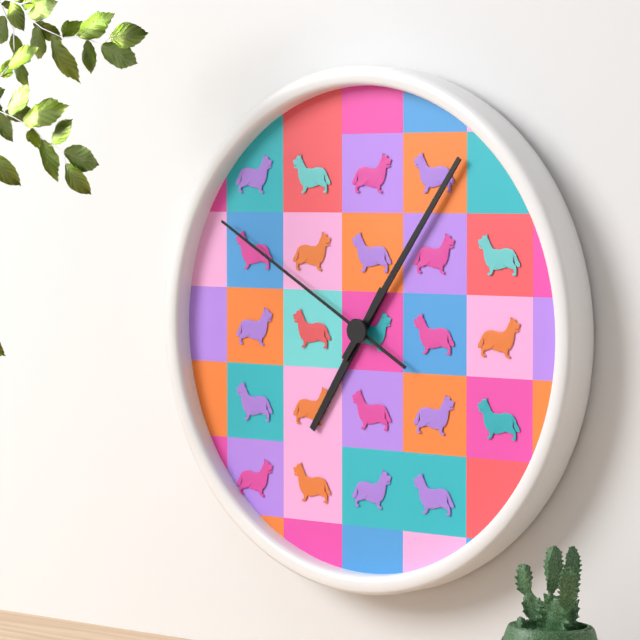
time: **7:06:50**
